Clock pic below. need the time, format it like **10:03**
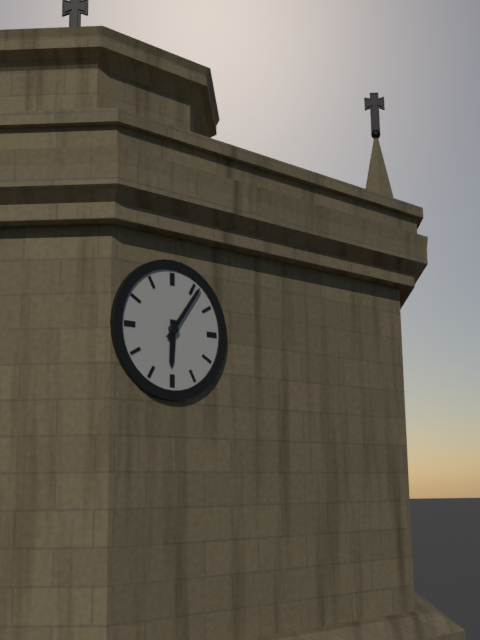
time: **6:06**
